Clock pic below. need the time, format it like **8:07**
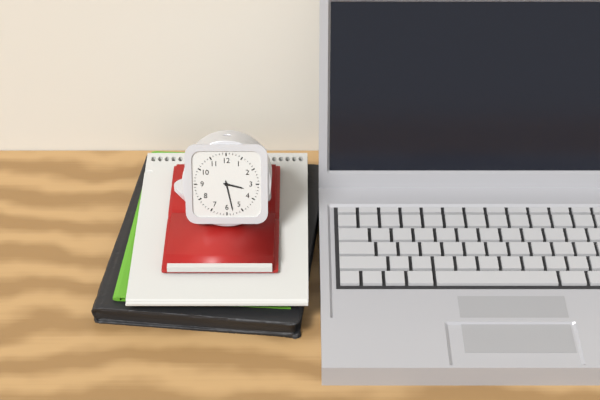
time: **3:28**
